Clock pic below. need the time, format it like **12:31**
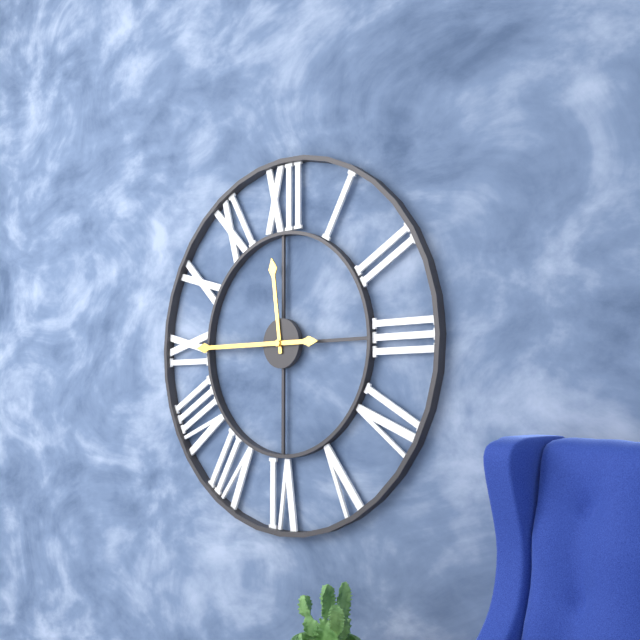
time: **11:45**
